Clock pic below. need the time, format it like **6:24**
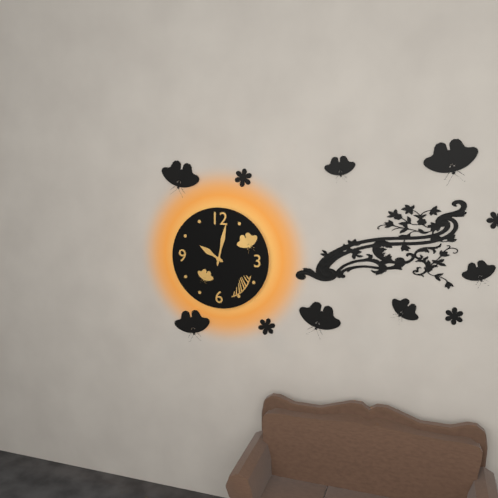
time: **10:02**
